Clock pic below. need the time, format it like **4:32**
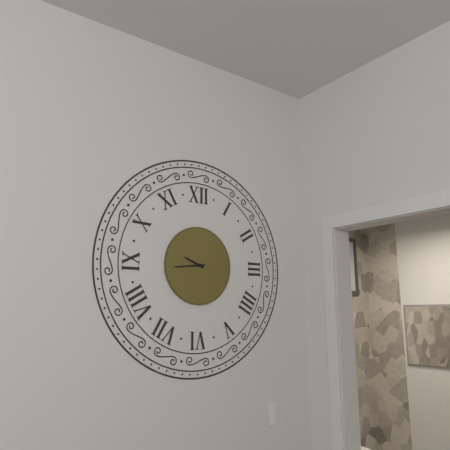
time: **9:44**
